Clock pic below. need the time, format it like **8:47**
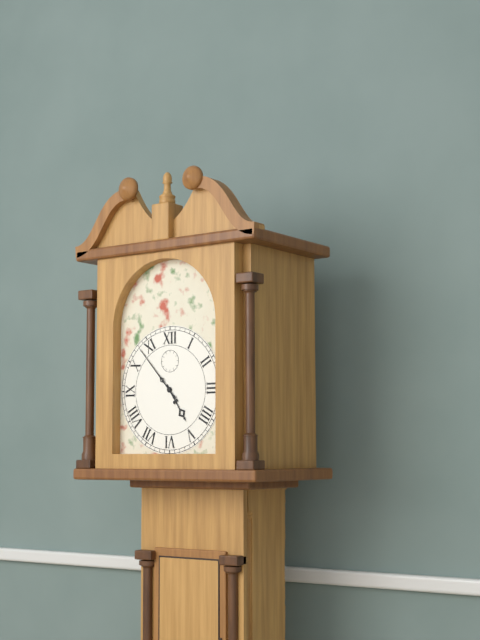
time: **4:53**
